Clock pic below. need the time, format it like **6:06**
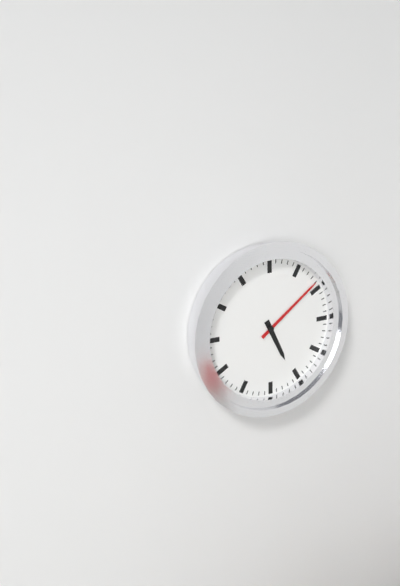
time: **5:09**
